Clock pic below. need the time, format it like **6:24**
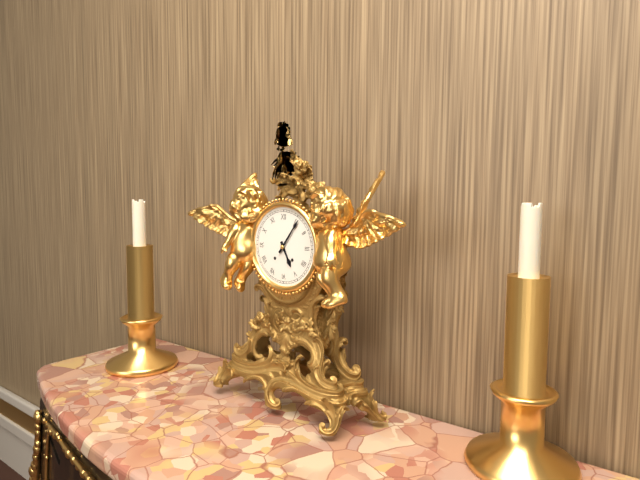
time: **5:06**
